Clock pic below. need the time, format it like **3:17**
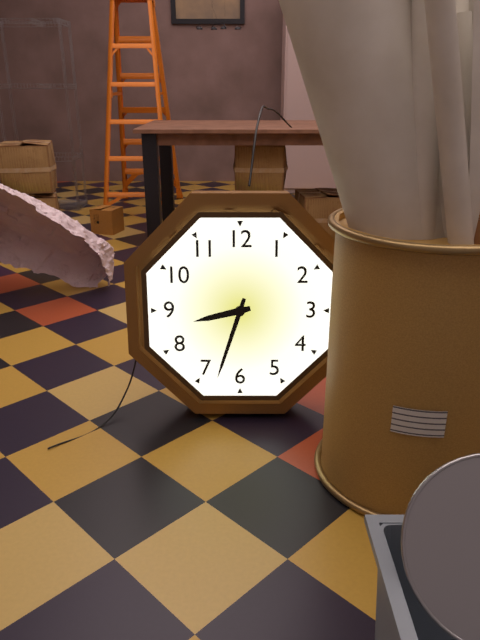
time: **8:33**
